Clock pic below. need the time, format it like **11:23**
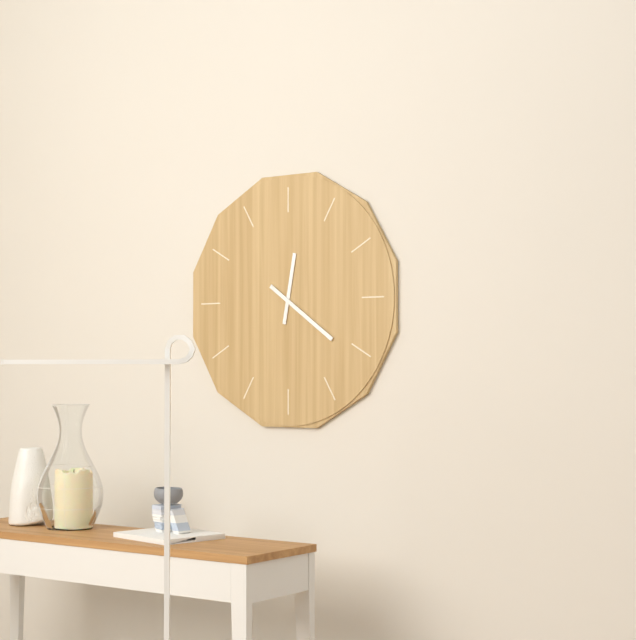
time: **12:21**
